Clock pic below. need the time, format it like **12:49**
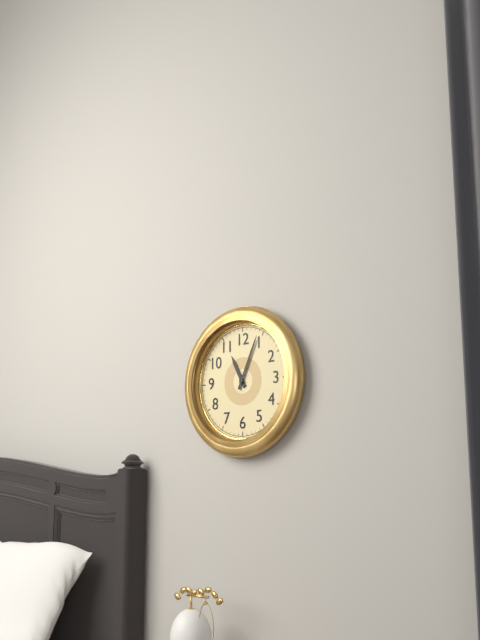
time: **11:04**
